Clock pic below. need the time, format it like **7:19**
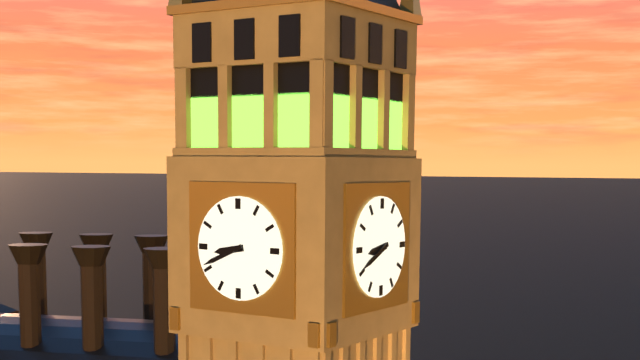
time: **8:41**
